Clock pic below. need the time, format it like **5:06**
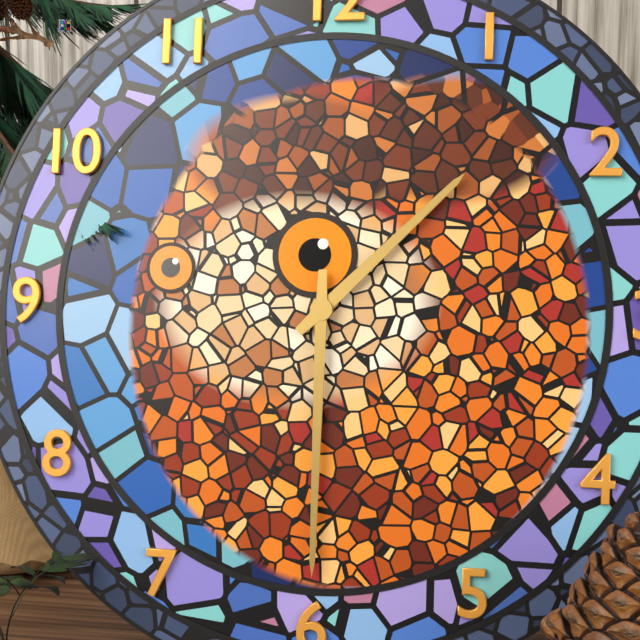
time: **1:30**
